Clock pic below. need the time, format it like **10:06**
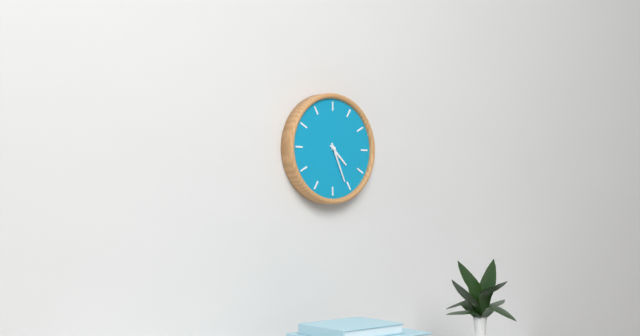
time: **4:26**
